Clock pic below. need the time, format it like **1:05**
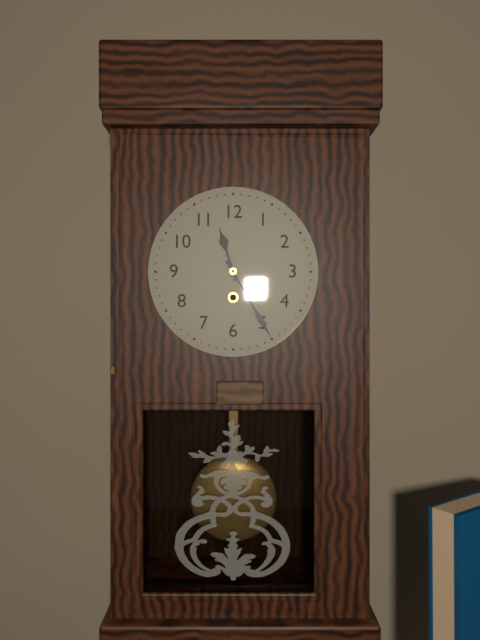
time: **11:25**
